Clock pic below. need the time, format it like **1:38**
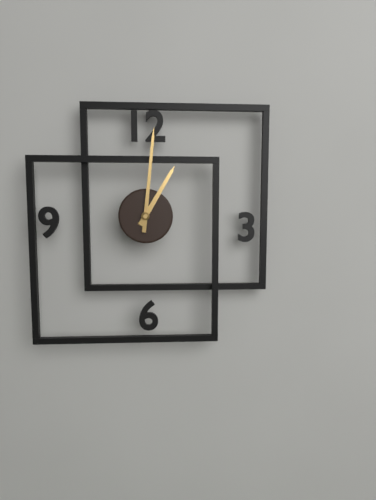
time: **1:01**
